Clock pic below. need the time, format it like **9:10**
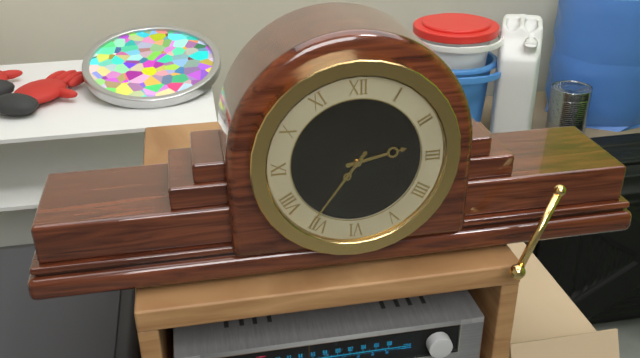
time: **2:36**
